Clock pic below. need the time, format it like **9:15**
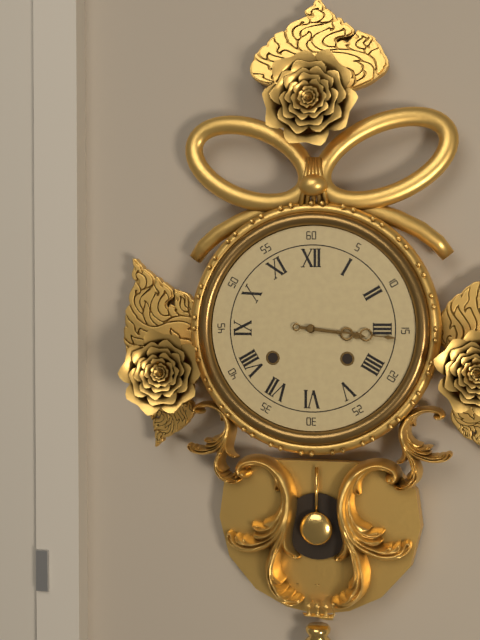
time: **3:16**
